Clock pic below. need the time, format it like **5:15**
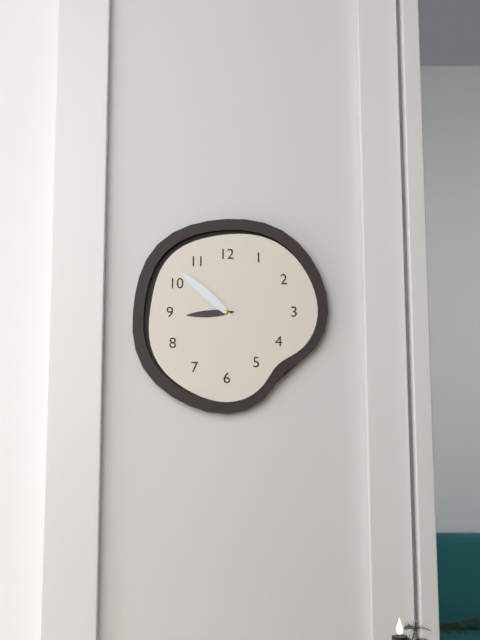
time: **8:52**
